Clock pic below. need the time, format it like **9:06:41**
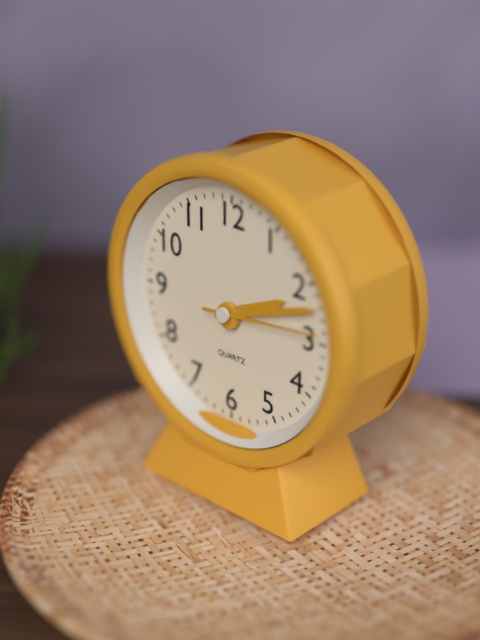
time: **2:12:14**
